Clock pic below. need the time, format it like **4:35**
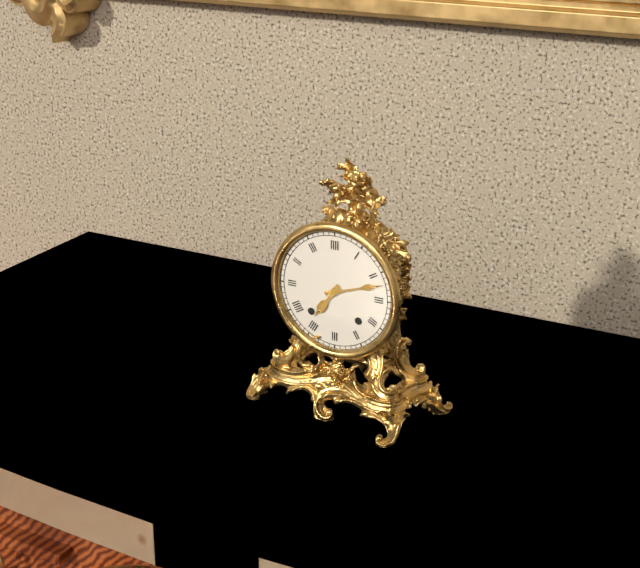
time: **7:12**
